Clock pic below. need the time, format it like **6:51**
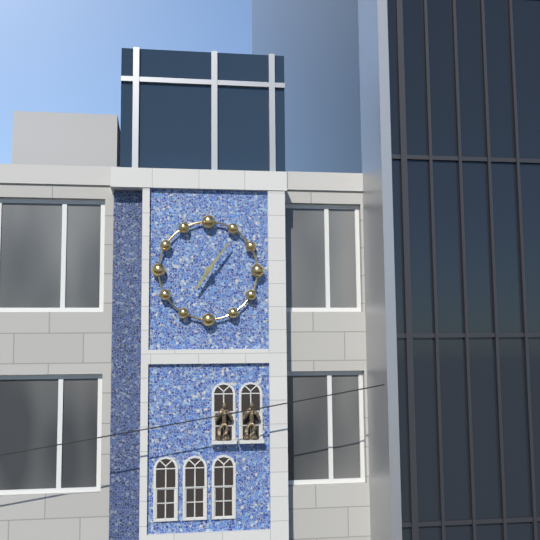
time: **7:06**
